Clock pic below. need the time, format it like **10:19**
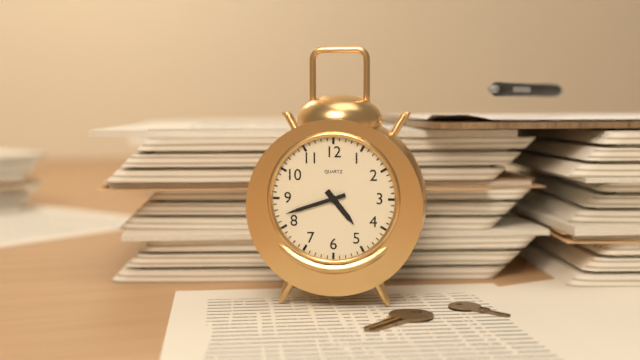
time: **4:42**
